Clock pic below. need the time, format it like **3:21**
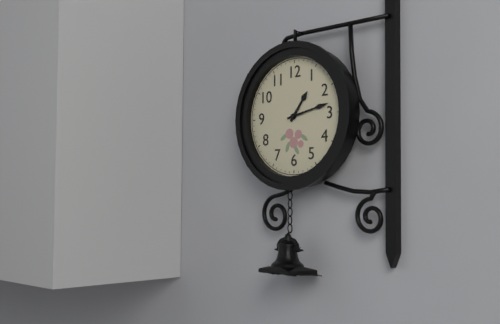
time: **1:13**
